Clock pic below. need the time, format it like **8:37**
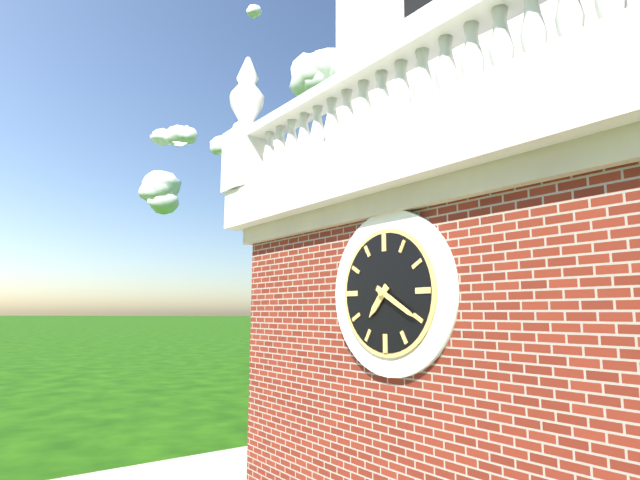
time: **7:20**
